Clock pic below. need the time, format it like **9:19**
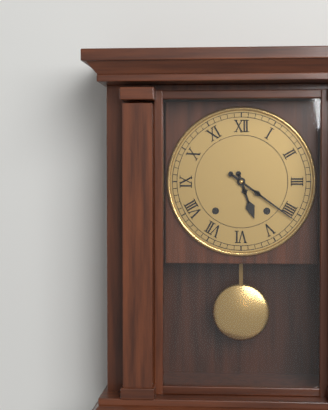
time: **5:21**
